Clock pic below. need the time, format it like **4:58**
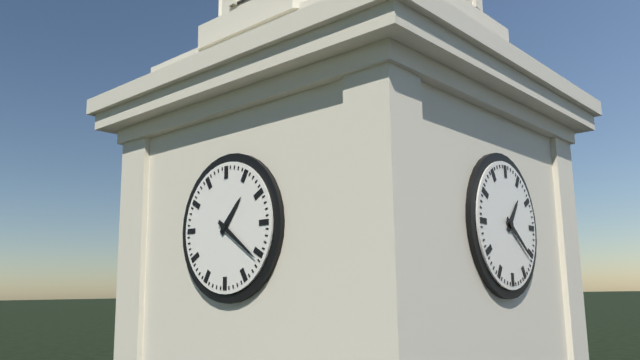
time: **1:21**
